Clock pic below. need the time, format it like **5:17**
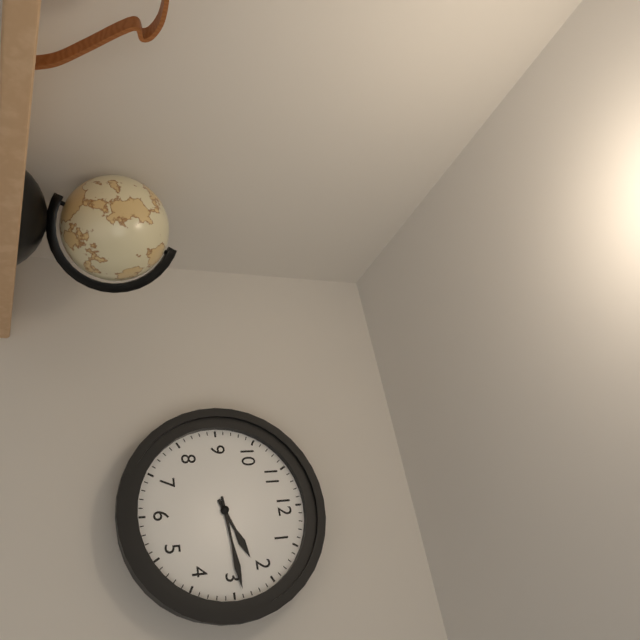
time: **2:14**
